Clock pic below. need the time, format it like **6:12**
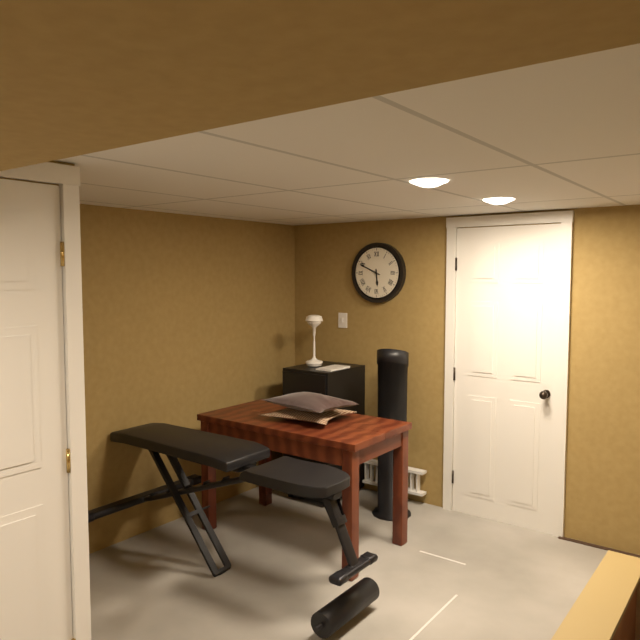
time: **5:49**
